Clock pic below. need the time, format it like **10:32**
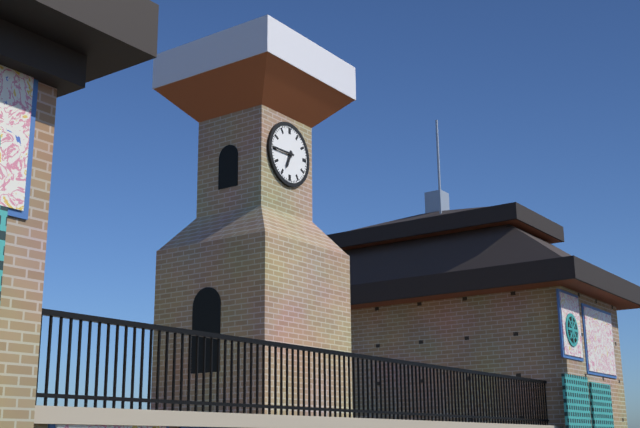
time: **6:45**
